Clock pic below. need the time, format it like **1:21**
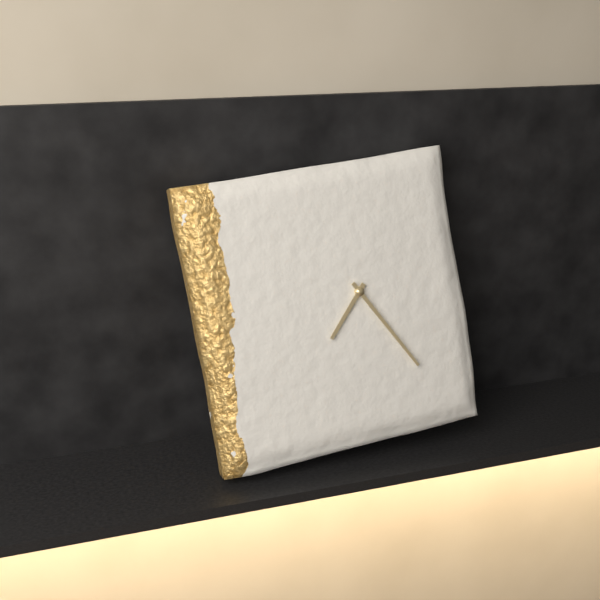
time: **7:25**
